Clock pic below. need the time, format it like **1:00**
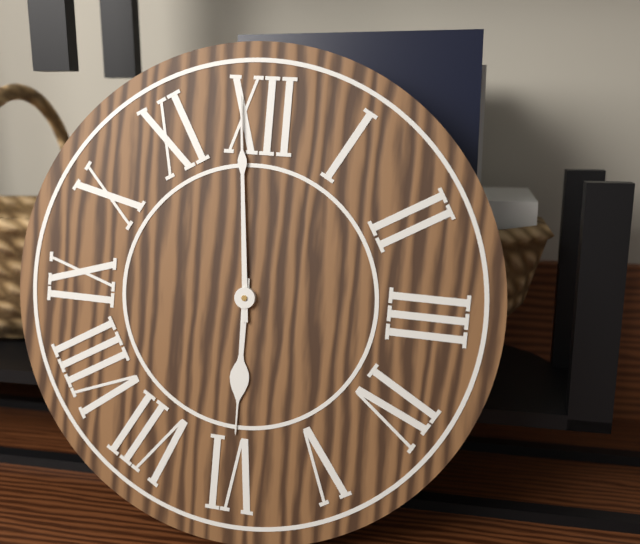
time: **5:59**
